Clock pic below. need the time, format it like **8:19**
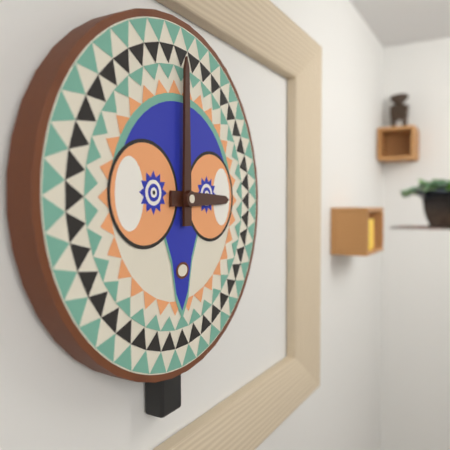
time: **3:00**
